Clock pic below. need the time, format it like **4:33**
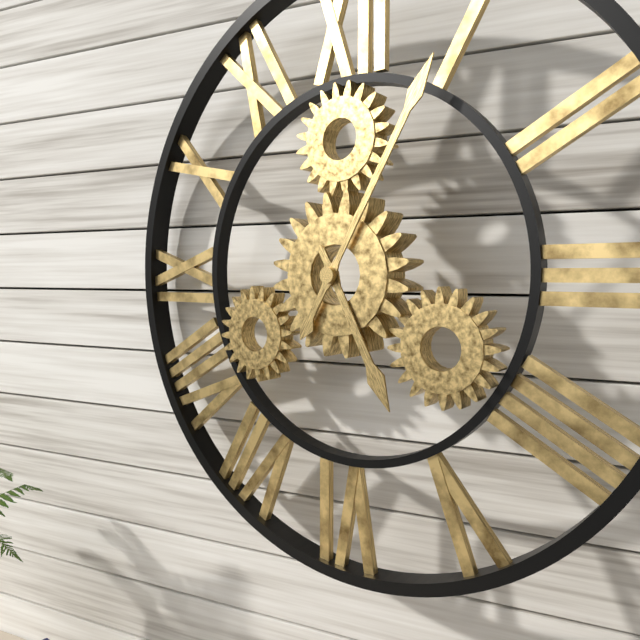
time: **5:05**
